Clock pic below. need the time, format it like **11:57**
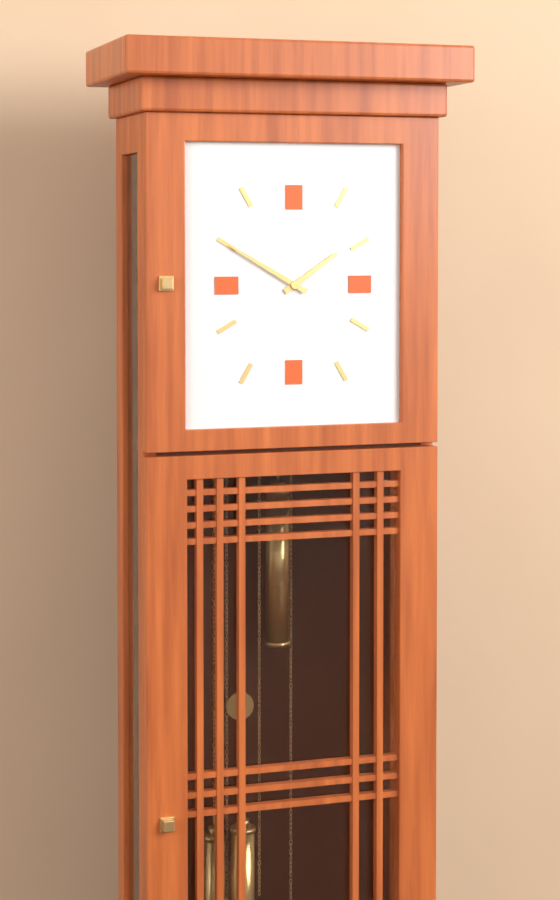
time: **1:50**
